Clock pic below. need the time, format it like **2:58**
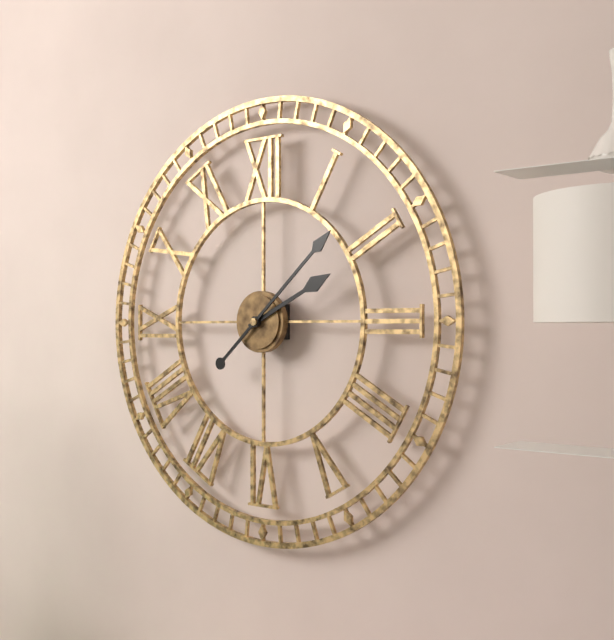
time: **2:08**
